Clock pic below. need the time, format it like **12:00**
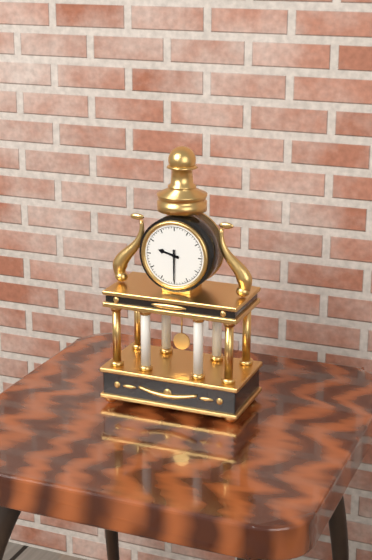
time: **9:30**
